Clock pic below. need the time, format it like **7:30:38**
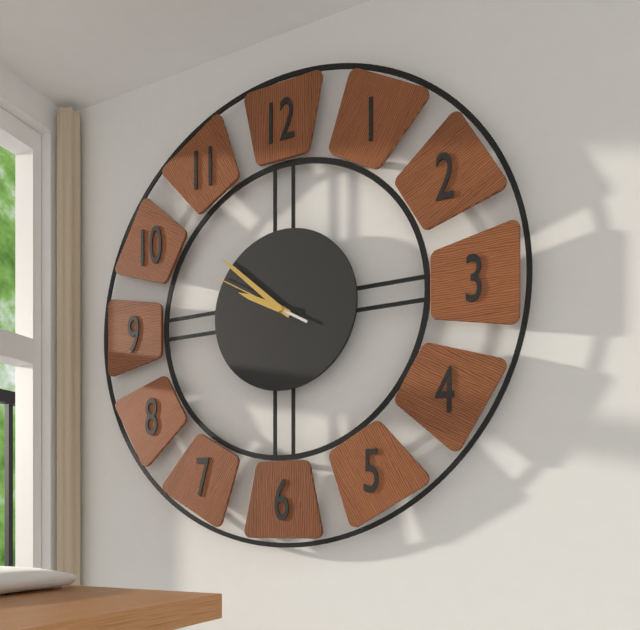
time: **9:52:50**
